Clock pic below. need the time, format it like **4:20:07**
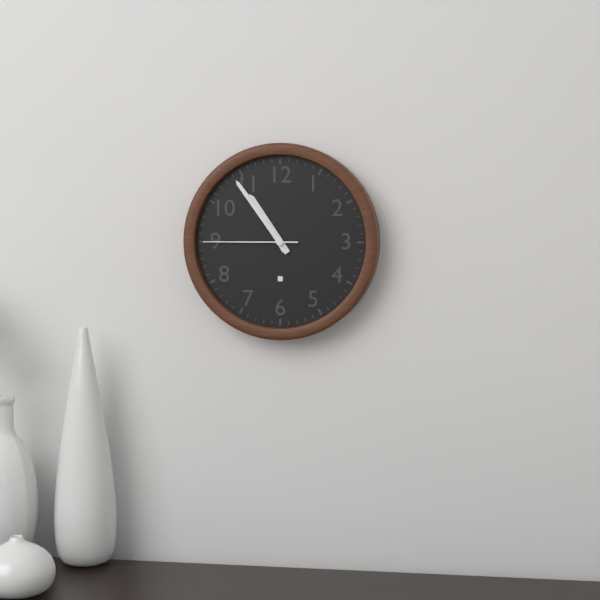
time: **10:54:45**
